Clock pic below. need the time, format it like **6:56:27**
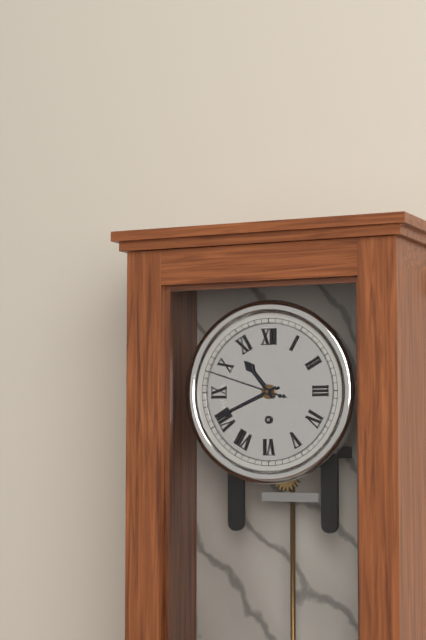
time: **10:41:48**
